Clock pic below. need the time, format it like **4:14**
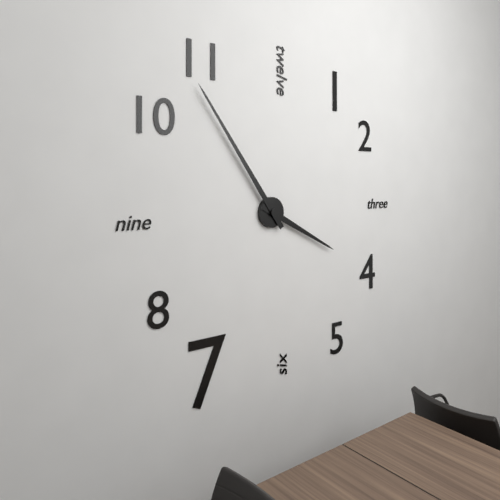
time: **3:54**
